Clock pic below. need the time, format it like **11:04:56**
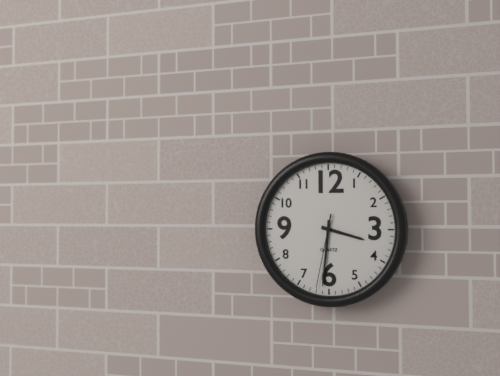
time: **3:31:32**
